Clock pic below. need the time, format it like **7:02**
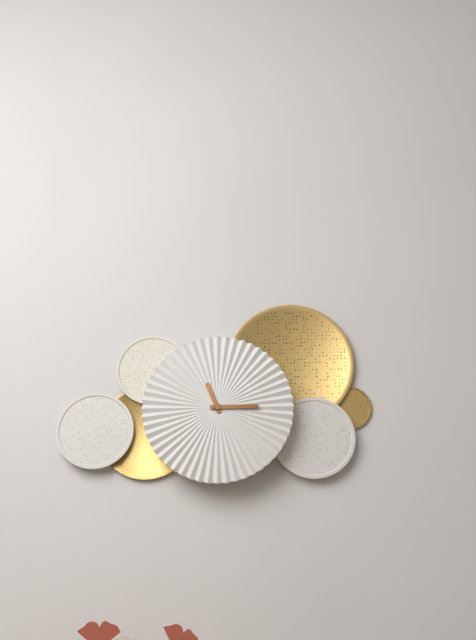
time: **11:15**
